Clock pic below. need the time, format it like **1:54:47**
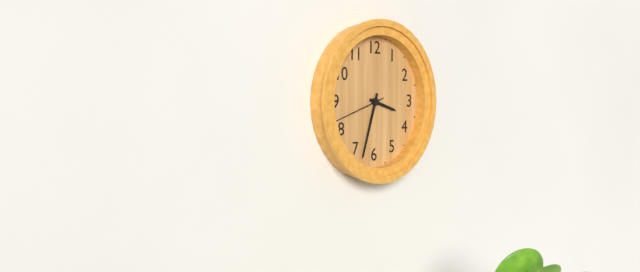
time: **3:33:42**
